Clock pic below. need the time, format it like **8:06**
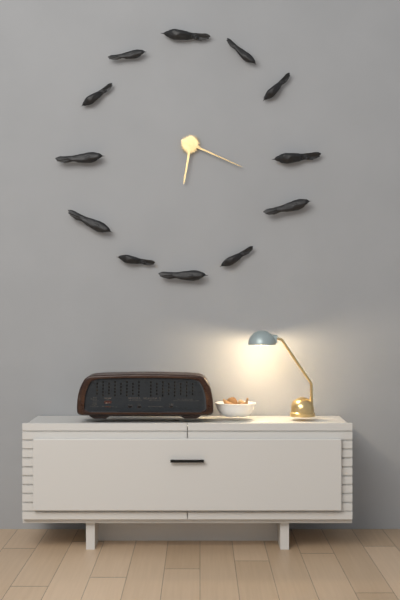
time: **6:19**
